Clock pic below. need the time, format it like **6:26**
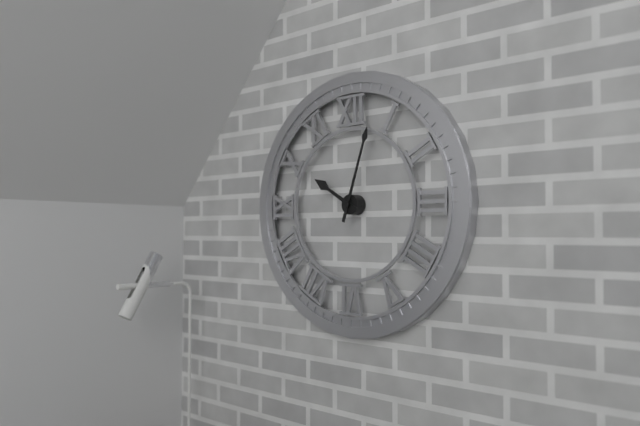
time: **10:03**
